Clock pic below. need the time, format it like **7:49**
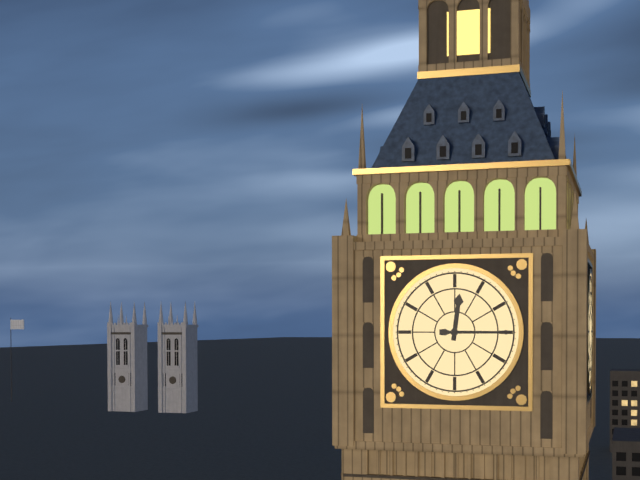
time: **12:15**
